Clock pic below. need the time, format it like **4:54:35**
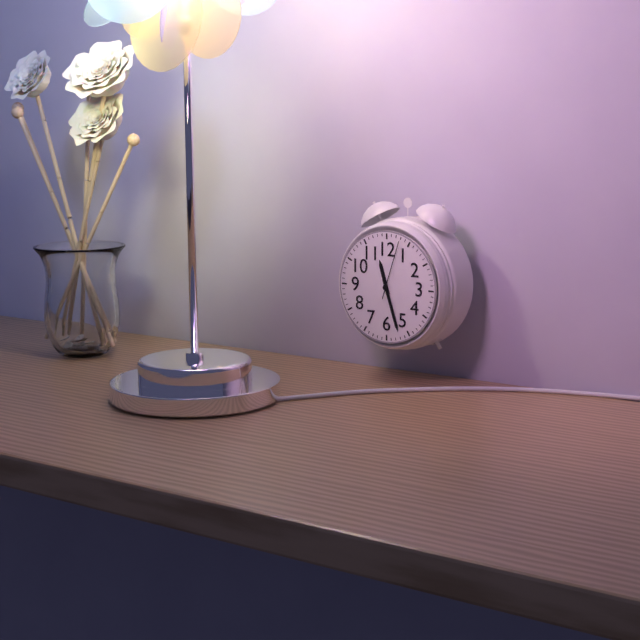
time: **11:27:03**
